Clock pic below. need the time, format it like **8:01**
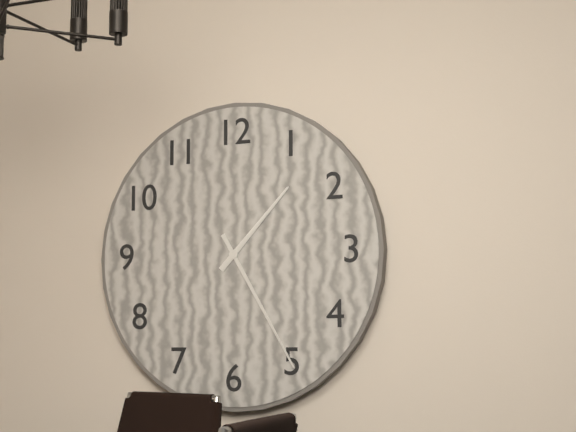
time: **1:25**
